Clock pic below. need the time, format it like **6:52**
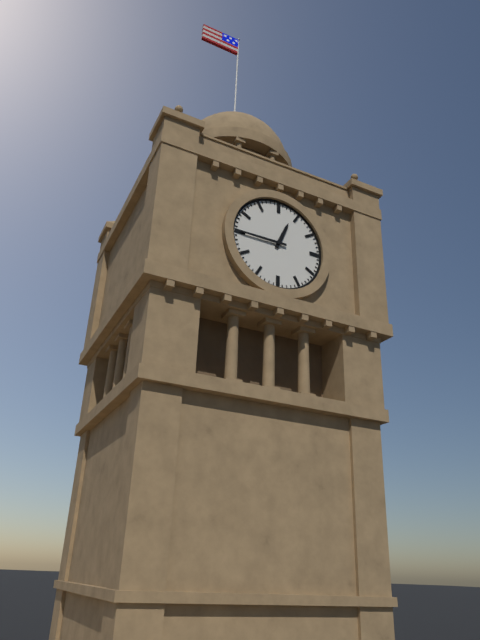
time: **12:45**
